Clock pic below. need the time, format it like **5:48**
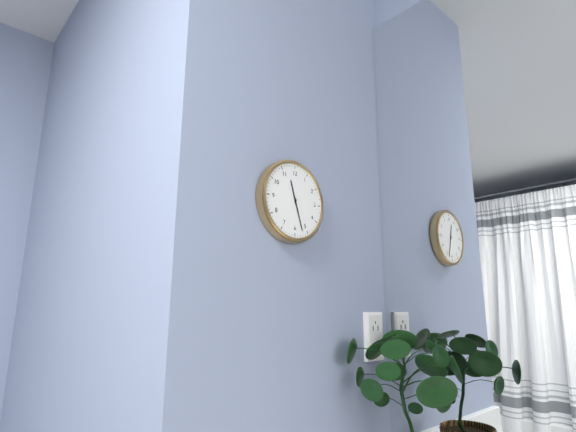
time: **11:27**
